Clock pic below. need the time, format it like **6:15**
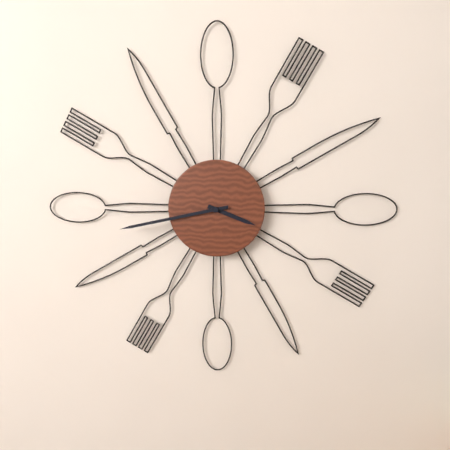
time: **3:43**
